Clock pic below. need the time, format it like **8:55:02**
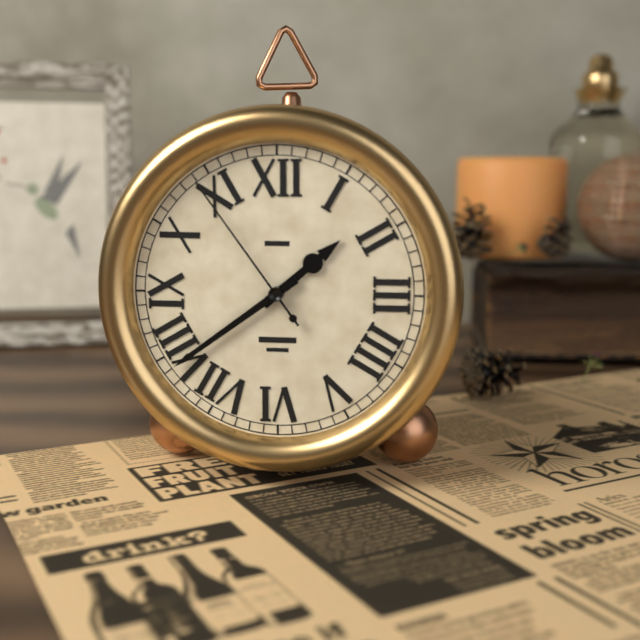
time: **1:39:54**
